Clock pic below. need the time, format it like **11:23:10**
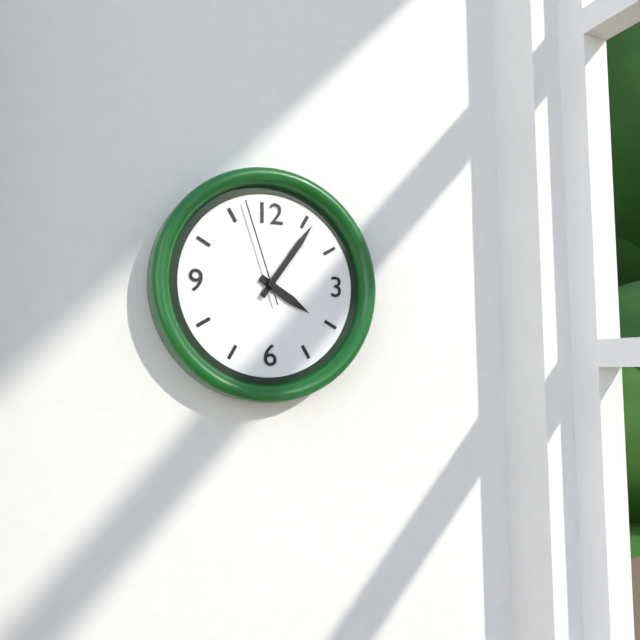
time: **4:06:57**
